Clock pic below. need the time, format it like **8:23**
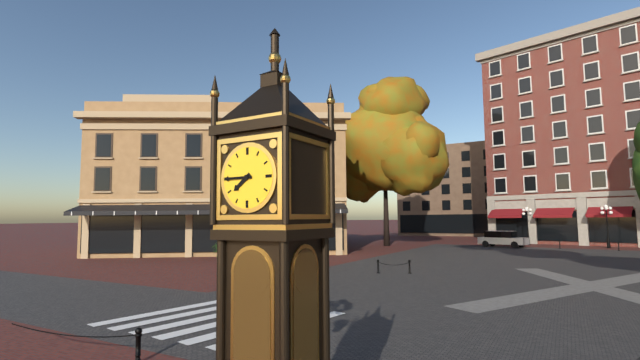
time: **7:45**
